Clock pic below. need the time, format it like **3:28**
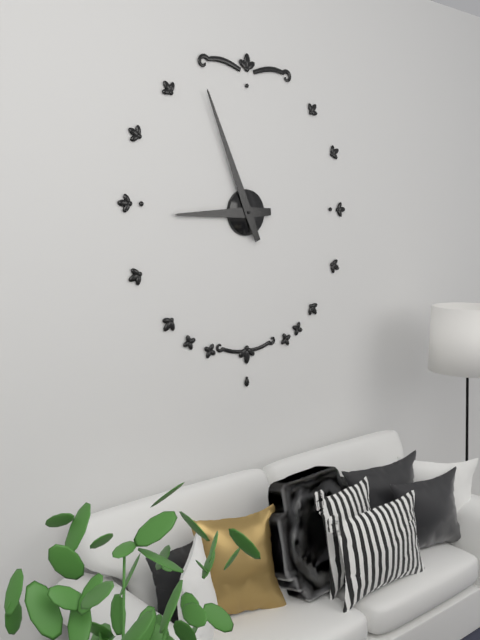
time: **8:56**
